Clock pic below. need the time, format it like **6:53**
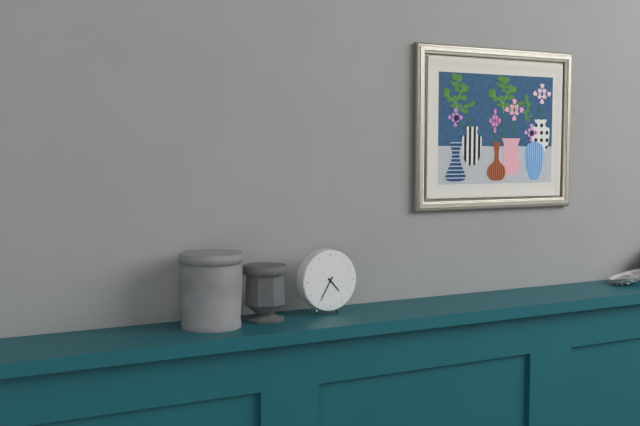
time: **4:35**
